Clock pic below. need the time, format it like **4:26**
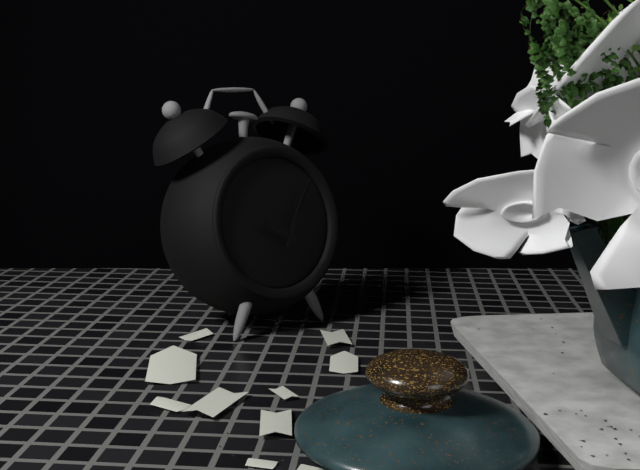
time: **10:04**
